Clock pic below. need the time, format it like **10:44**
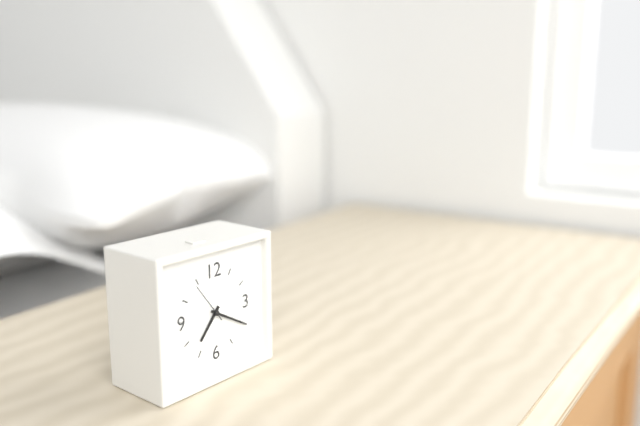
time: **7:20**
